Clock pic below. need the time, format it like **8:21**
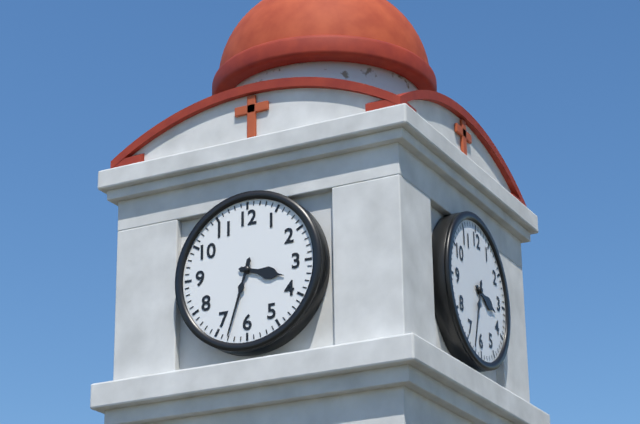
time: **3:33**
